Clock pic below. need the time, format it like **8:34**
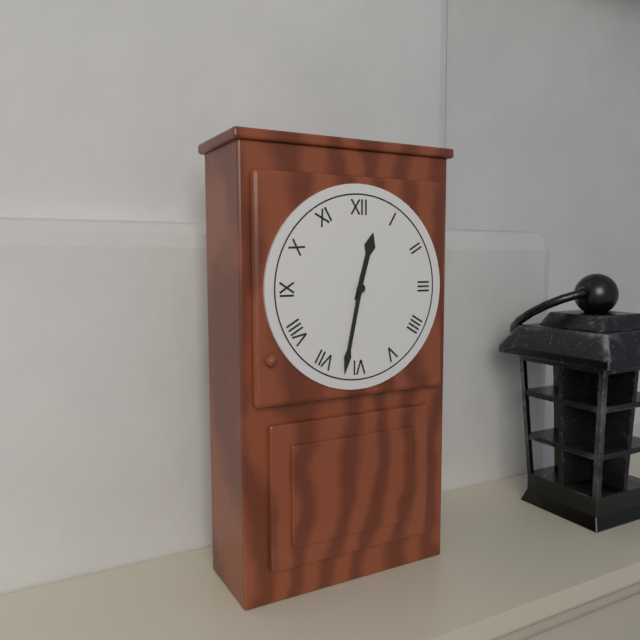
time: **12:32**
